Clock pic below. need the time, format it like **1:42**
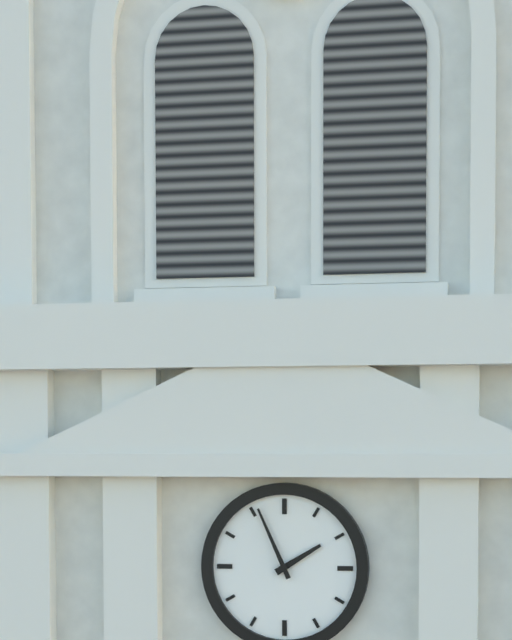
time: **1:56**
